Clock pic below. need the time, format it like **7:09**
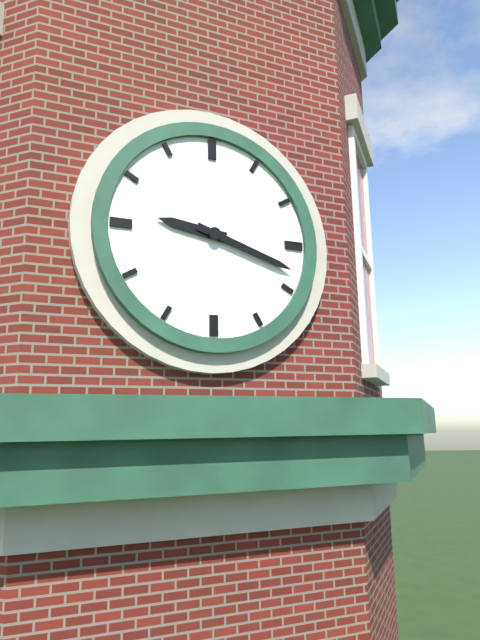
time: **9:18**
